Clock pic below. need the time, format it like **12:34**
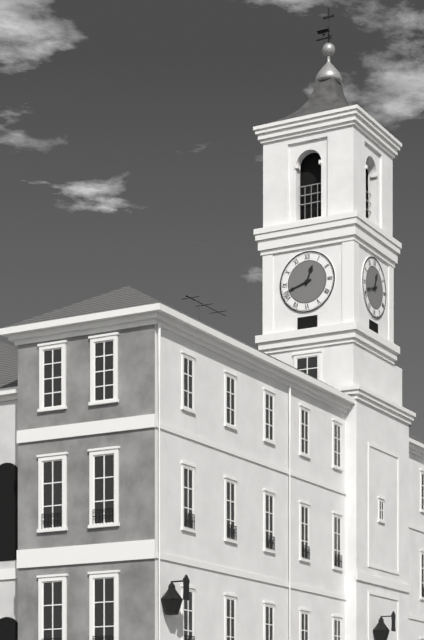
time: **12:42**
